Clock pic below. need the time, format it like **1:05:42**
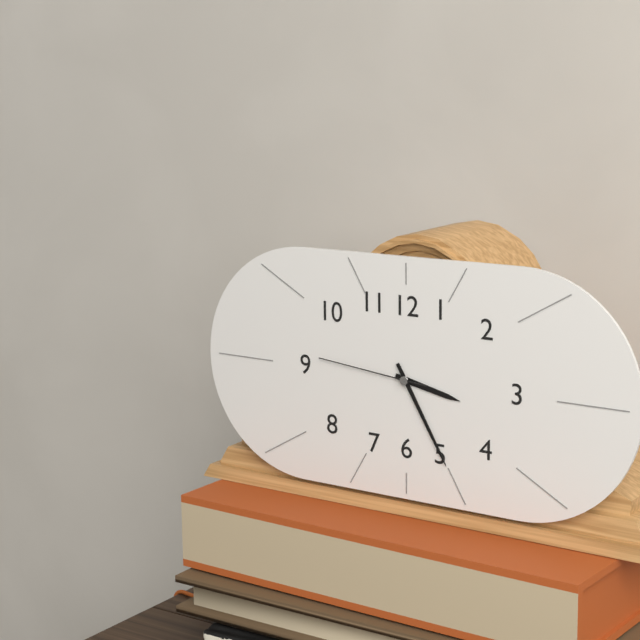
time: **3:25:46**
